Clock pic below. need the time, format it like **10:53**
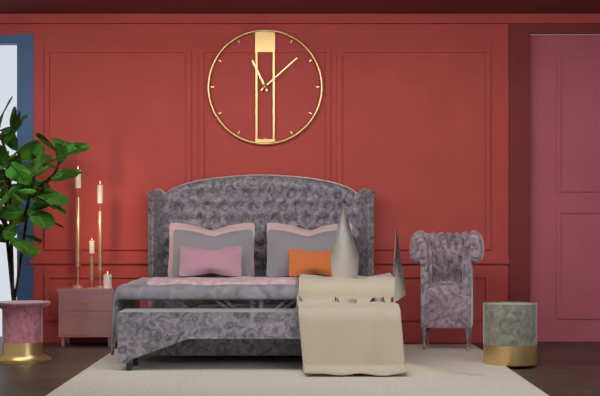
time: **11:08**
